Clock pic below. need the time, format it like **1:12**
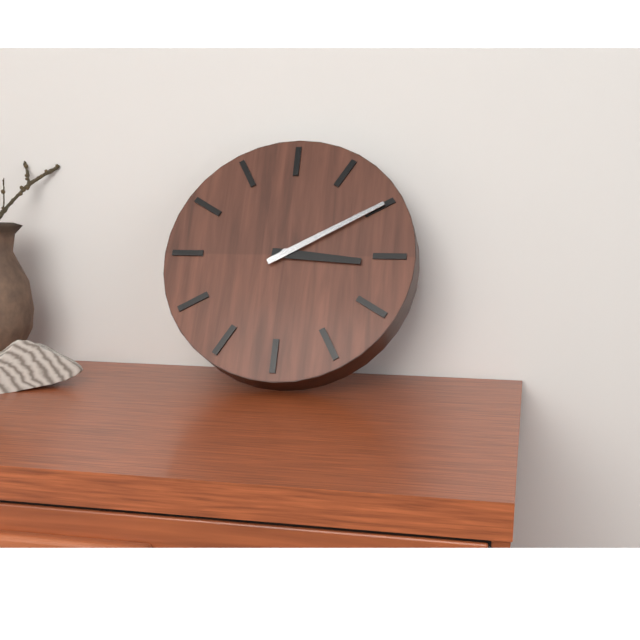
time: **3:10**
